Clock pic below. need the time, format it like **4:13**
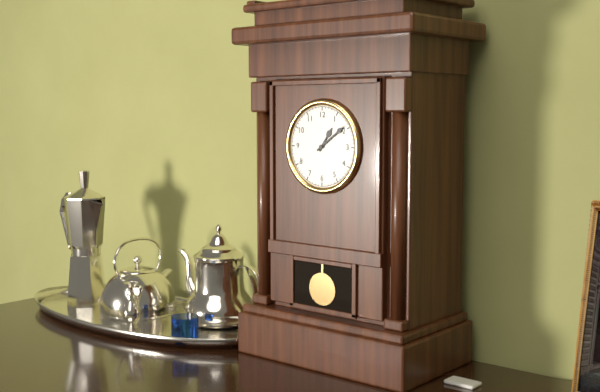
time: **1:09**
